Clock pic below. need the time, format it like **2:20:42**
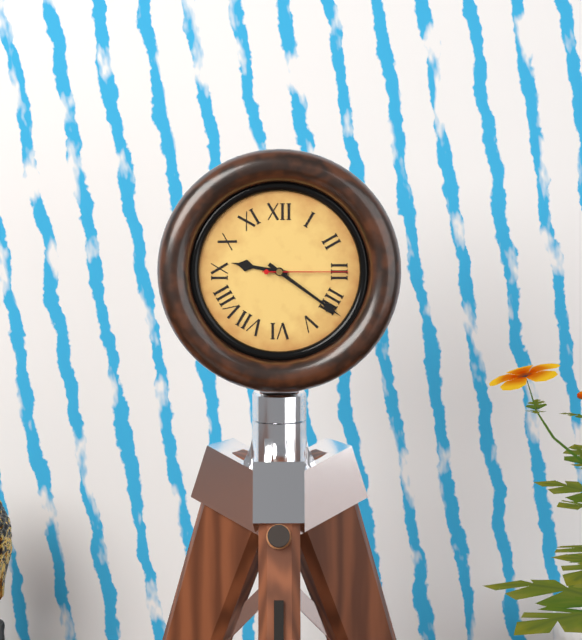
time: **9:21:15**
